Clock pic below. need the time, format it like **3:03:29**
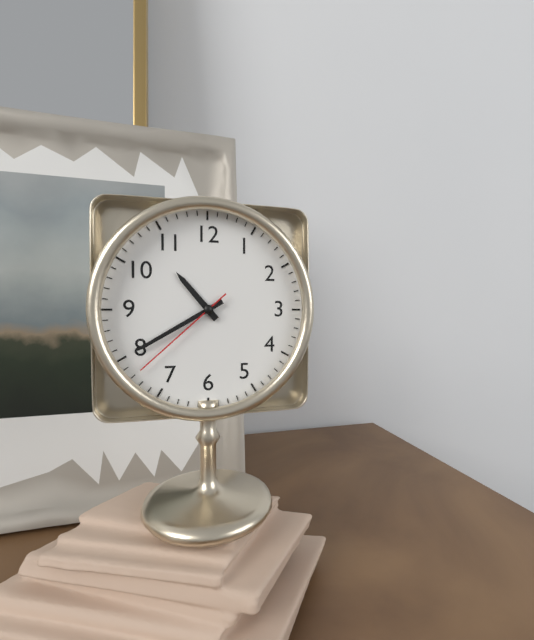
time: **10:40:38**
